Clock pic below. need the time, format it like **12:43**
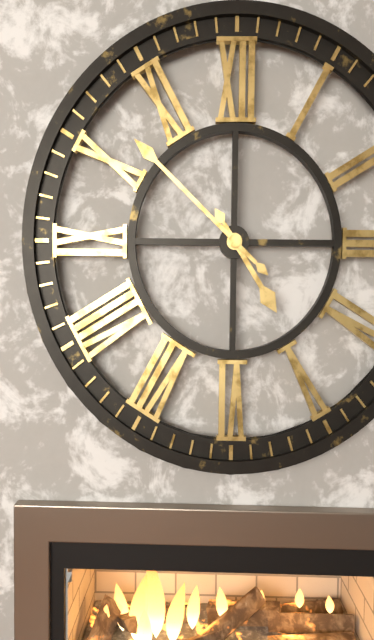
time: **4:52**
